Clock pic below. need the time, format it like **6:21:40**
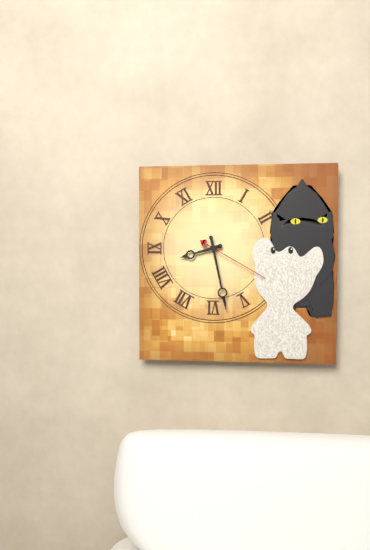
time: **8:28:20**
